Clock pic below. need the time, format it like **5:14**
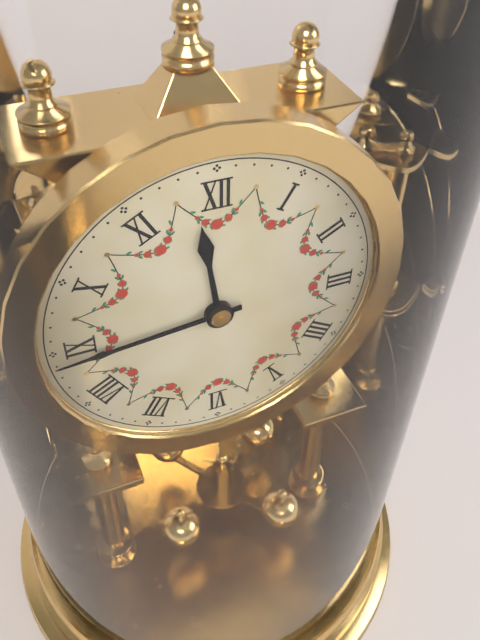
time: **11:44**
